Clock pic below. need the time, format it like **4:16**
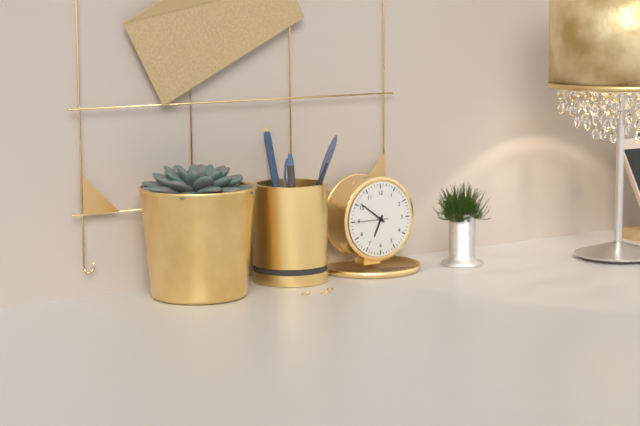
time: **6:51**
